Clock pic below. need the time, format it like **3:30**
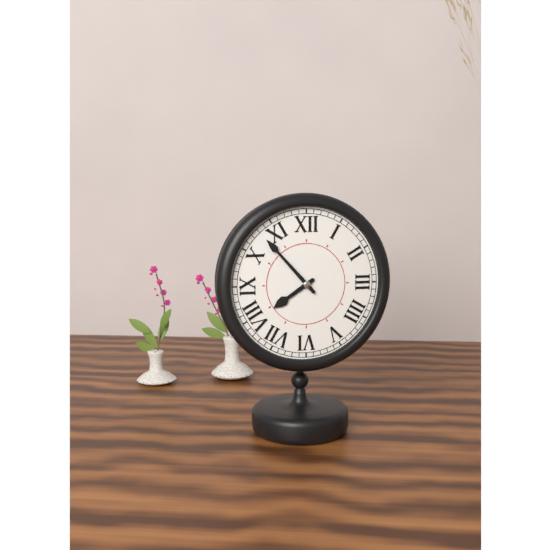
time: **7:53**
